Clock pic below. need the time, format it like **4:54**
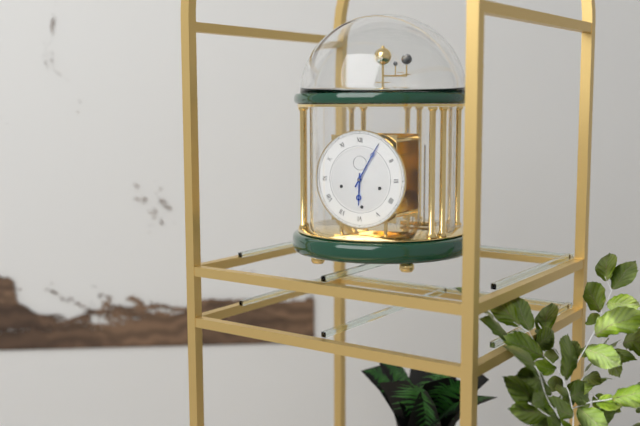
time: **6:05**
